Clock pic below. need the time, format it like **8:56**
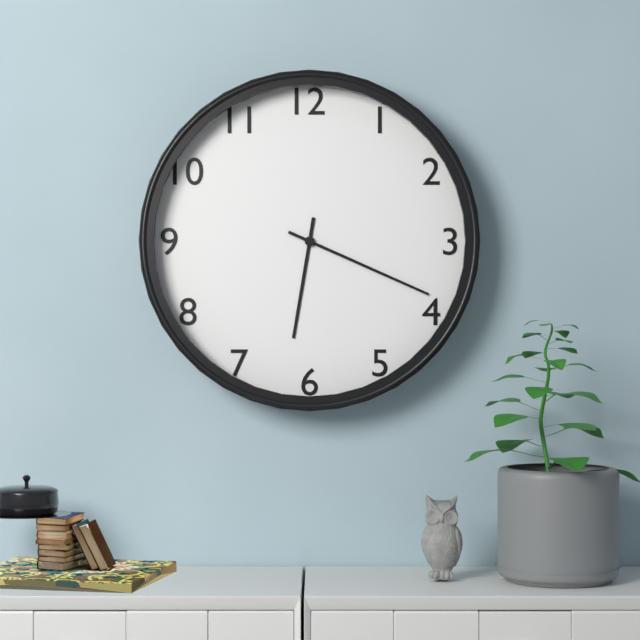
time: **6:19**
